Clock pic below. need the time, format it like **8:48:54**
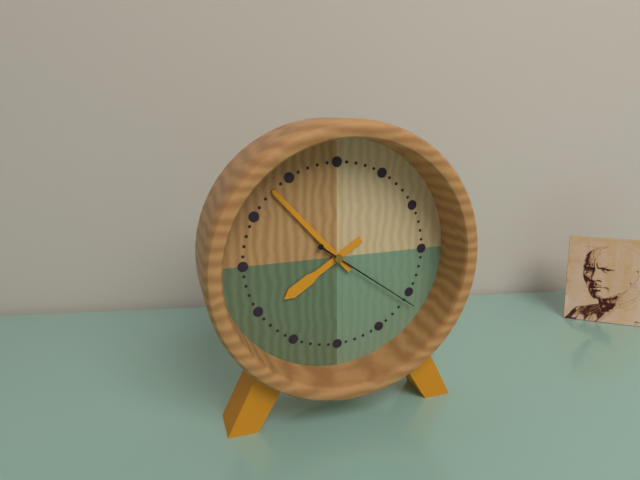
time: **7:53:21**
